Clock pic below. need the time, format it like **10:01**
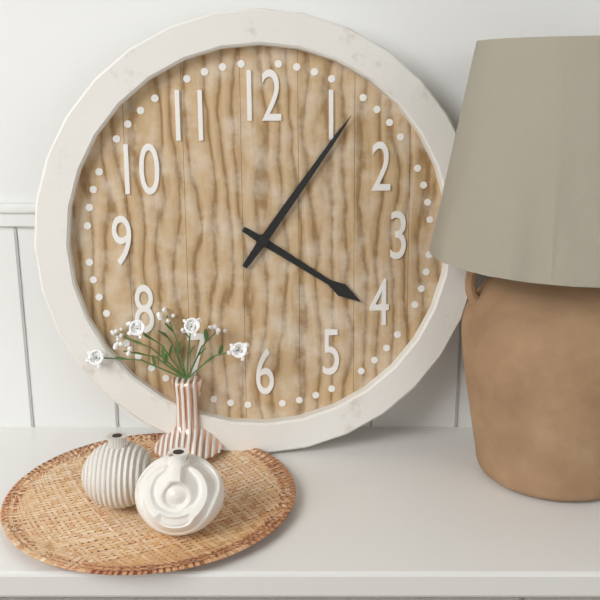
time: **4:06**
